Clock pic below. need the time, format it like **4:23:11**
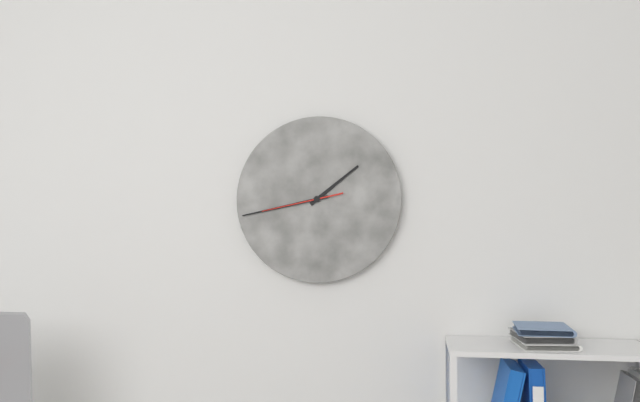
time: **1:43:43**
